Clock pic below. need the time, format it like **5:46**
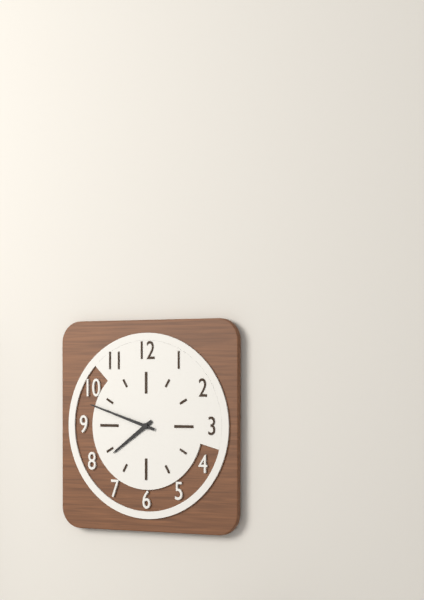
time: **7:48**
